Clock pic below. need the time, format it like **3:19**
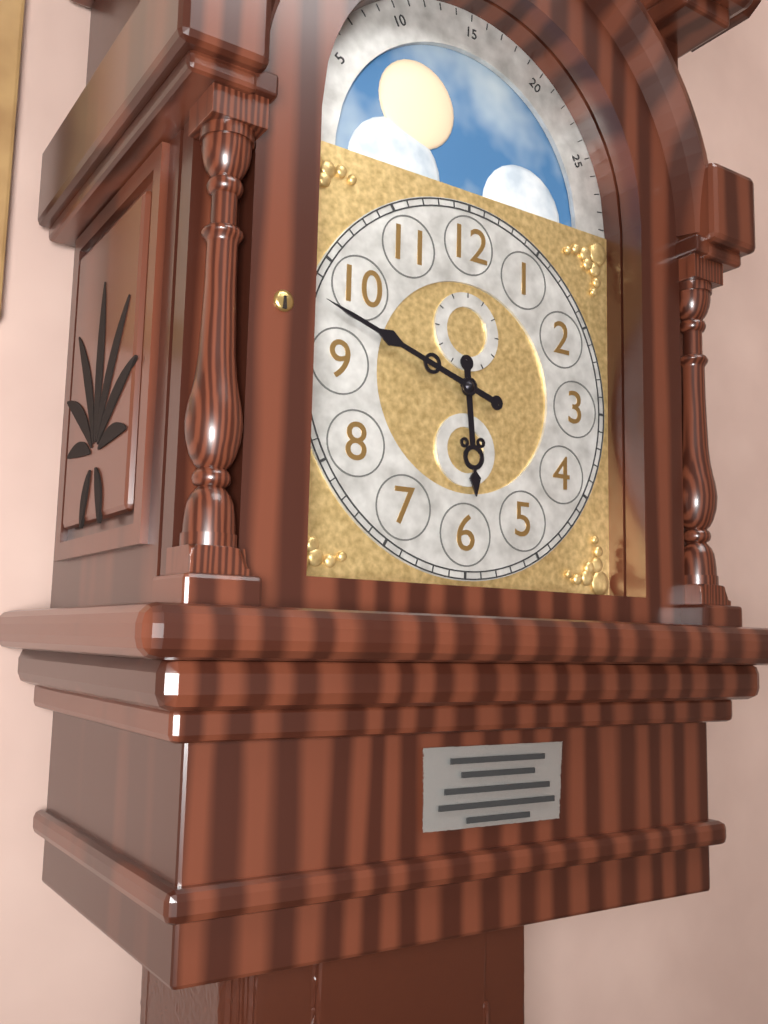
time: **5:48**
